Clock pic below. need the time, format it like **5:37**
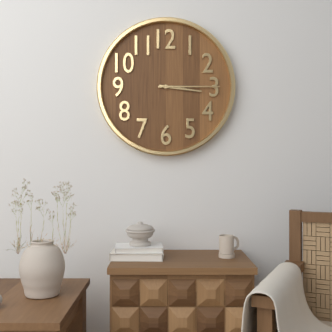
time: **3:15**
